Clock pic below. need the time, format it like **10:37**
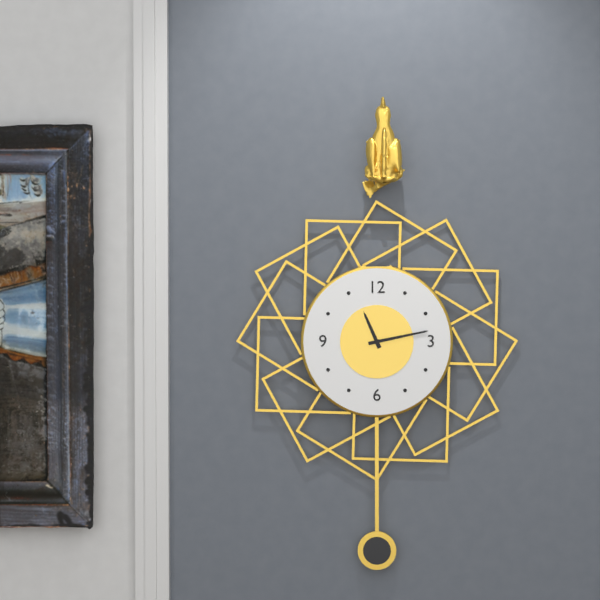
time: **11:13**
